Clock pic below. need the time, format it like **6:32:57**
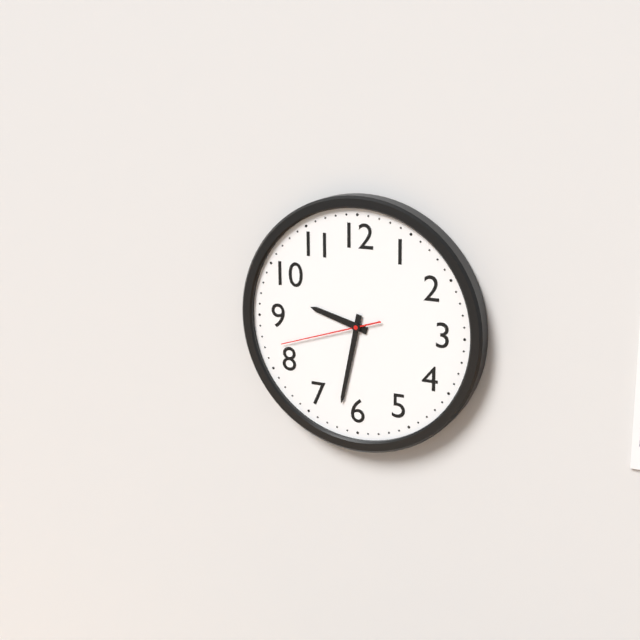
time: **9:32:42**
